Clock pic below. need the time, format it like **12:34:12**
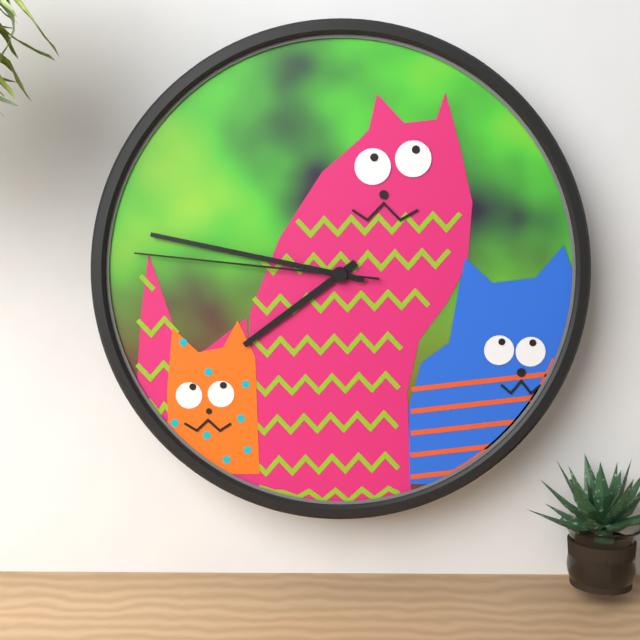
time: **7:47:46**
